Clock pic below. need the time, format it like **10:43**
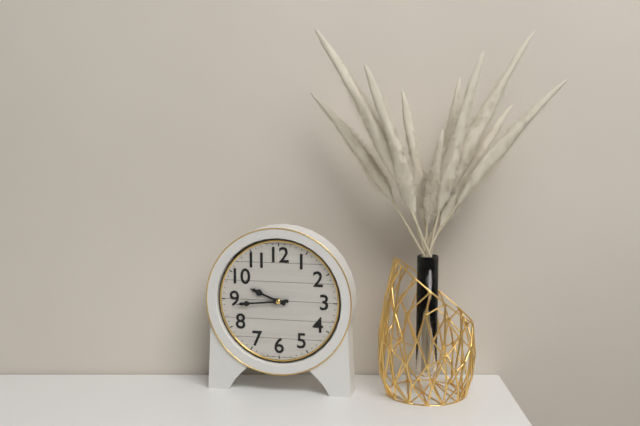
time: **9:44**
